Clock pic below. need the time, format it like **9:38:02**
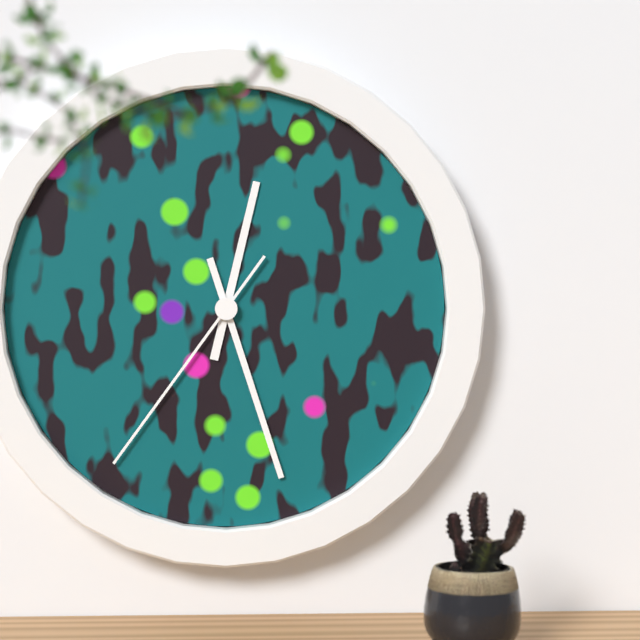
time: **12:27:36**
